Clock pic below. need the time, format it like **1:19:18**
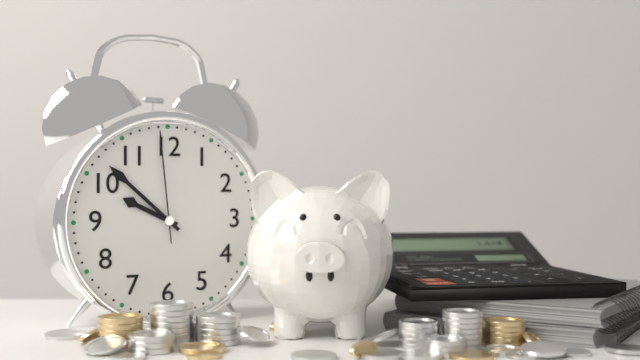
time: **9:52:59**
